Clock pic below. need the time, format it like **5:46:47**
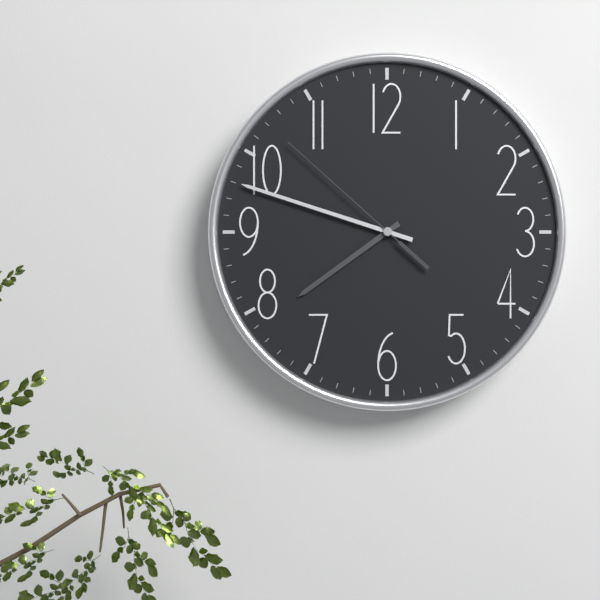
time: **7:48:52**
